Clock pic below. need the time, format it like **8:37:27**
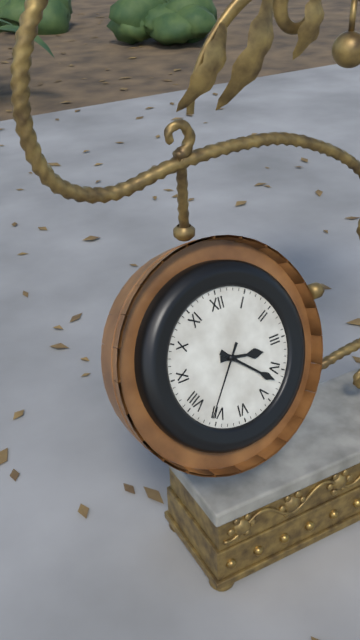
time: **3:22:36**
